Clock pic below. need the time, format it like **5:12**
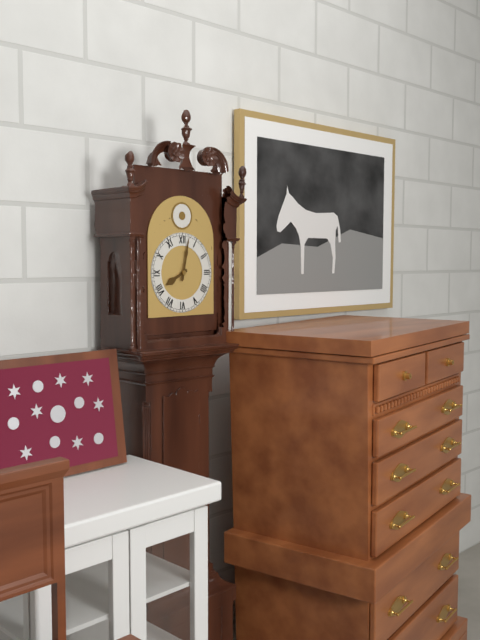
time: **8:02**
